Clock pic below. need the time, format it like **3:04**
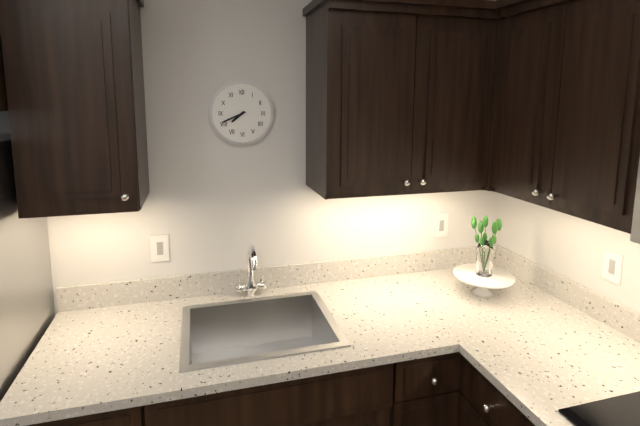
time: **7:41**
